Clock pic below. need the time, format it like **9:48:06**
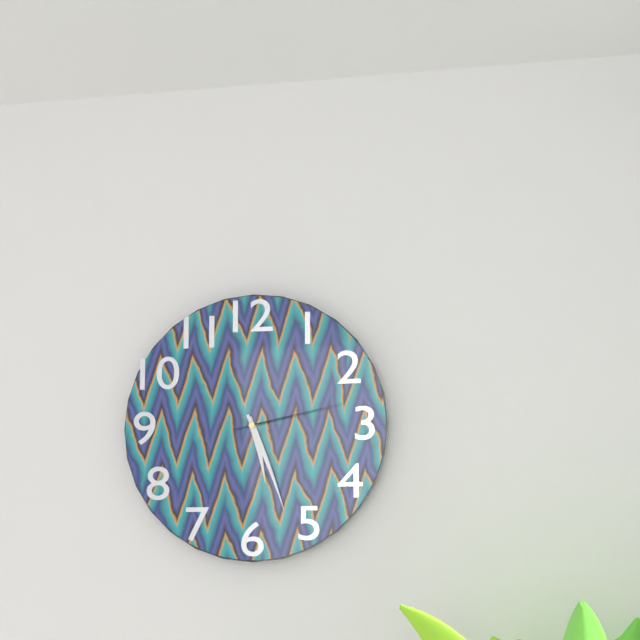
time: **5:26:13**
